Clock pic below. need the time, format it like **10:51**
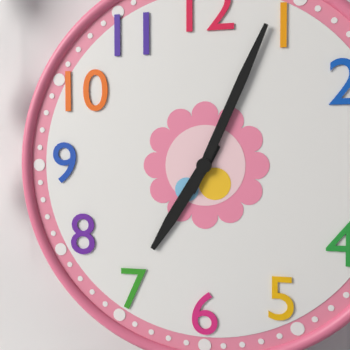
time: **7:04**
